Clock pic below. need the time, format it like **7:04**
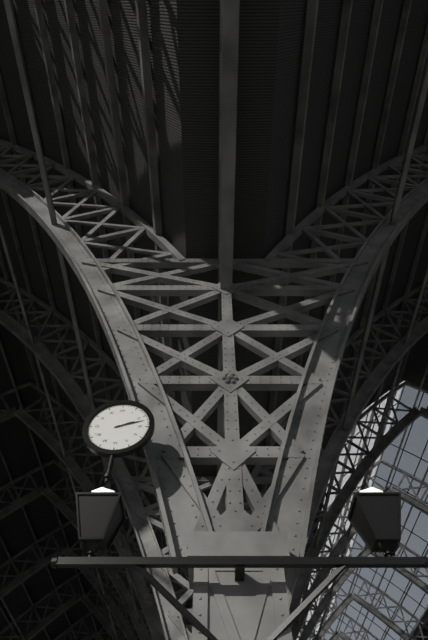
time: **2:12**
